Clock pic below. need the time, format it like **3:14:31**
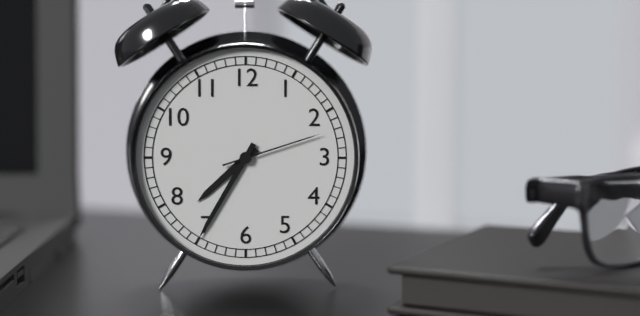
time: **7:35:12**
